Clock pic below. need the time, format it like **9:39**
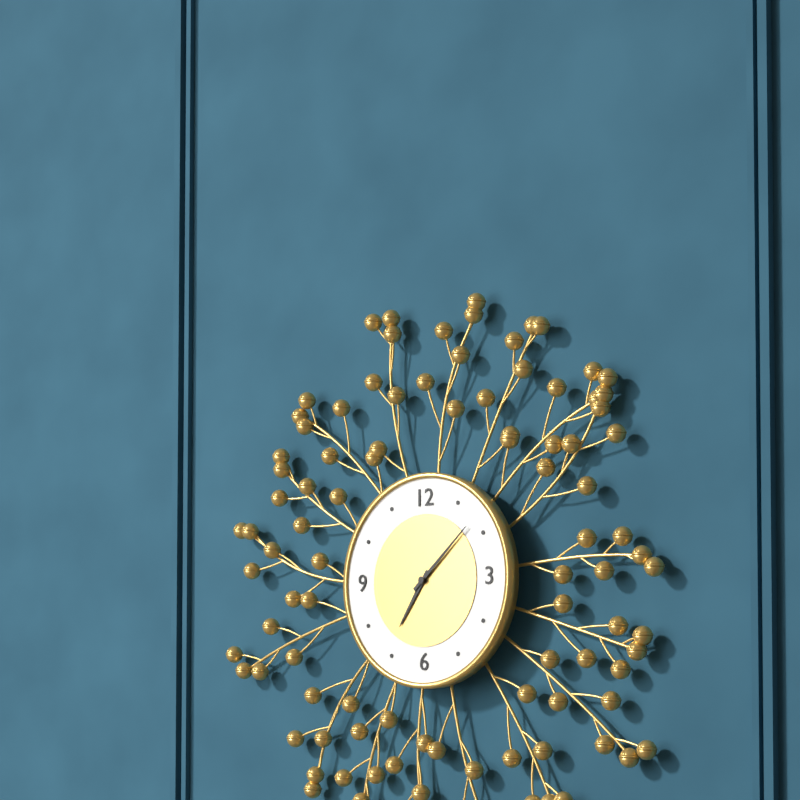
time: **7:08**
